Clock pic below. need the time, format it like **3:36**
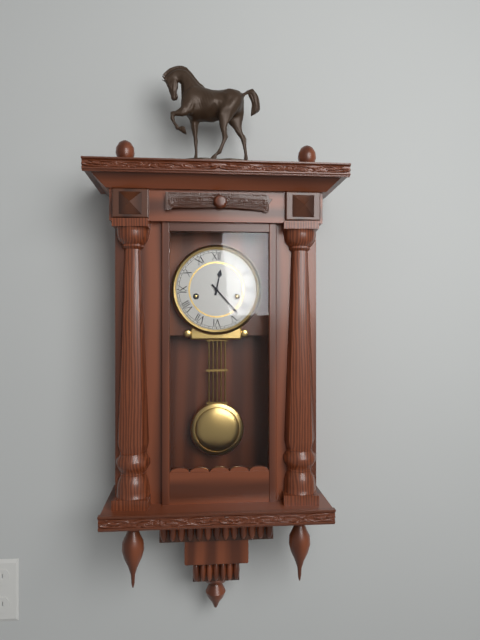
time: **12:23**
